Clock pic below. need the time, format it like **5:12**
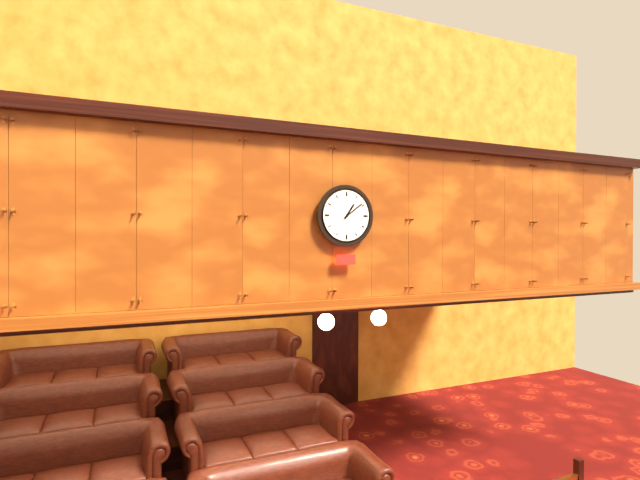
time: **1:09**
